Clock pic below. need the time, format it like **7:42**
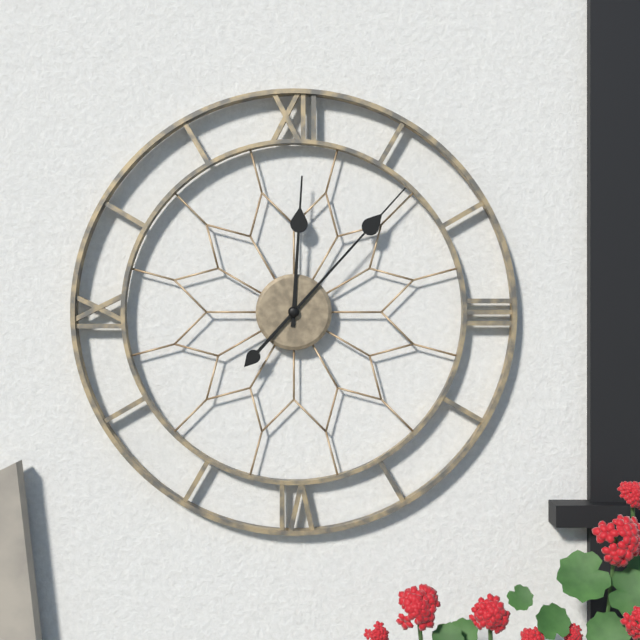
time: **12:07**
